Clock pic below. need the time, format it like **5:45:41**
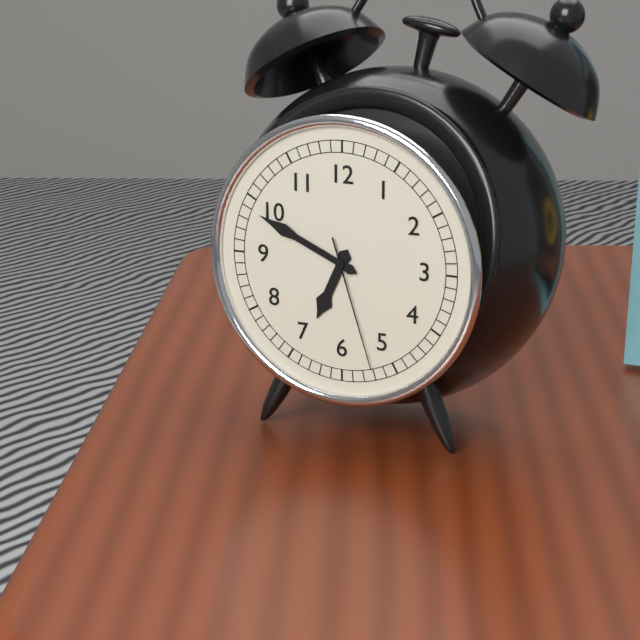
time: **6:49:27**
